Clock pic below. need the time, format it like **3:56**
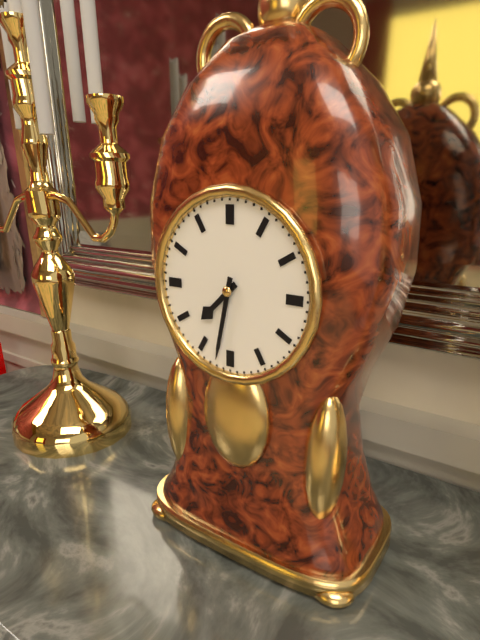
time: **7:32**
